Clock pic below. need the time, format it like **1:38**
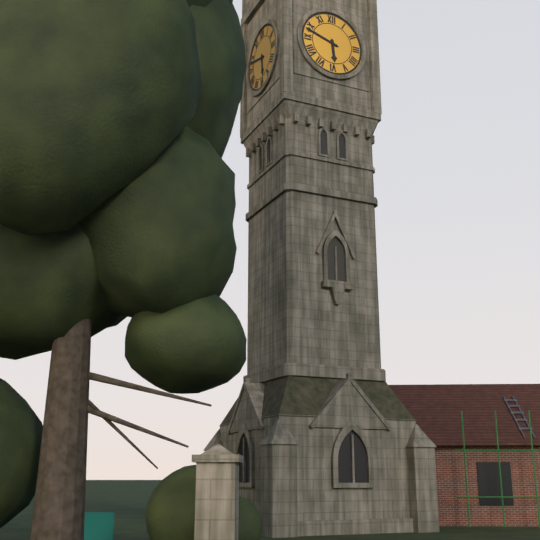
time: **5:48**
